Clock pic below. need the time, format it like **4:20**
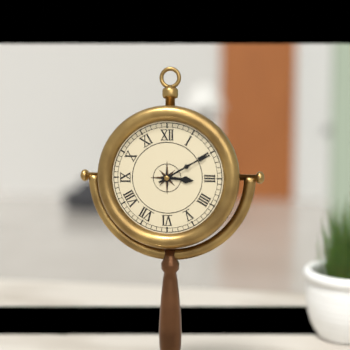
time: **3:10**
